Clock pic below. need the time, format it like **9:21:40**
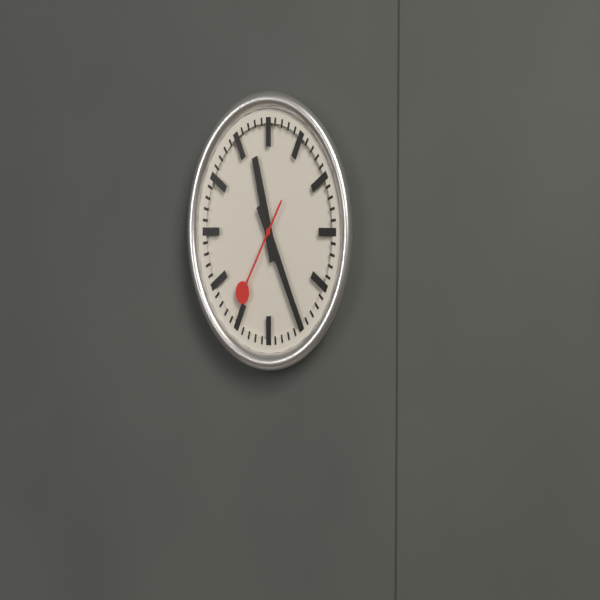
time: **11:25:36**
